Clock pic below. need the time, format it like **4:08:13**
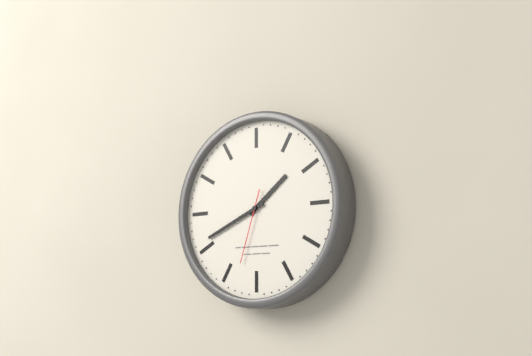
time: **1:41:33**
